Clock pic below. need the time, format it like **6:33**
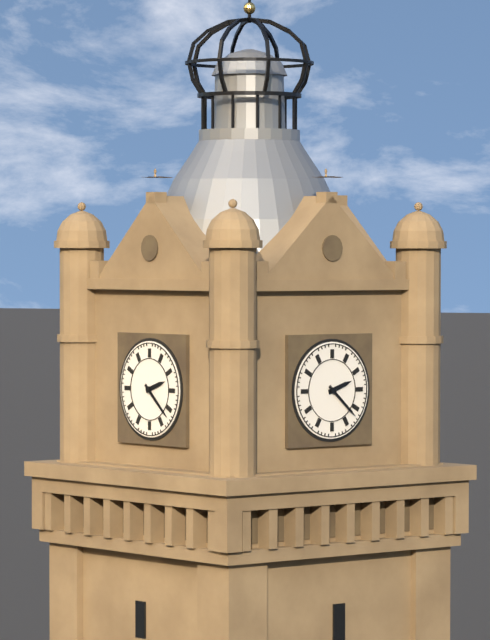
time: **2:22**
